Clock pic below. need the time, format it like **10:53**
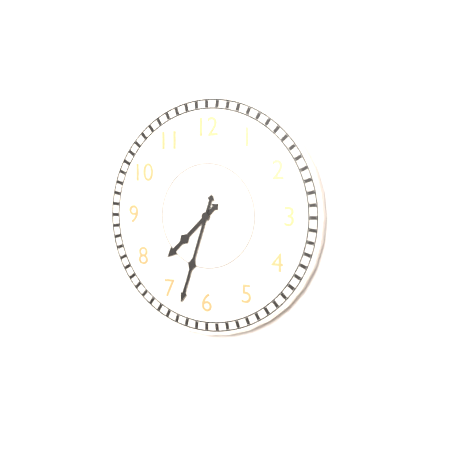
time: **7:33**
